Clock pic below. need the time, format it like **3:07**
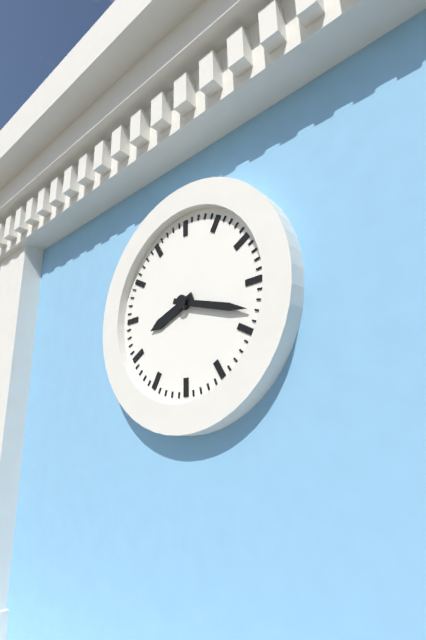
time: **8:18**
